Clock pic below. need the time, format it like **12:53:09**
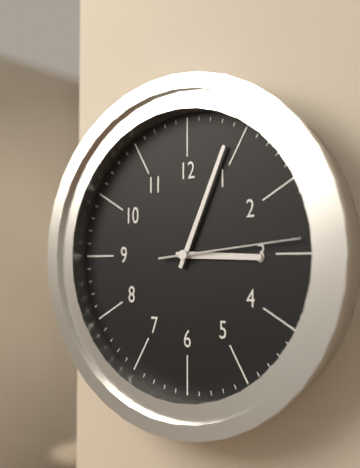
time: **3:04:14**
